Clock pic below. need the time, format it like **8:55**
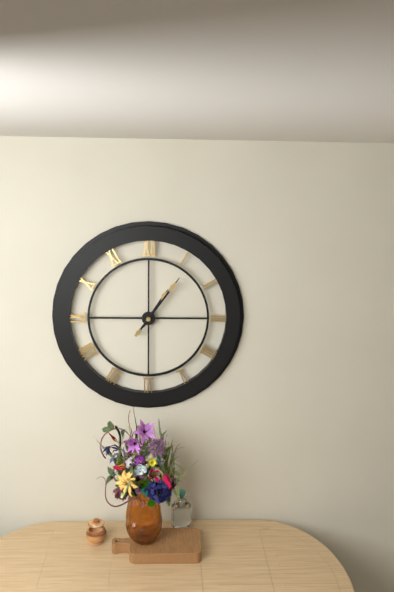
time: **1:06**
